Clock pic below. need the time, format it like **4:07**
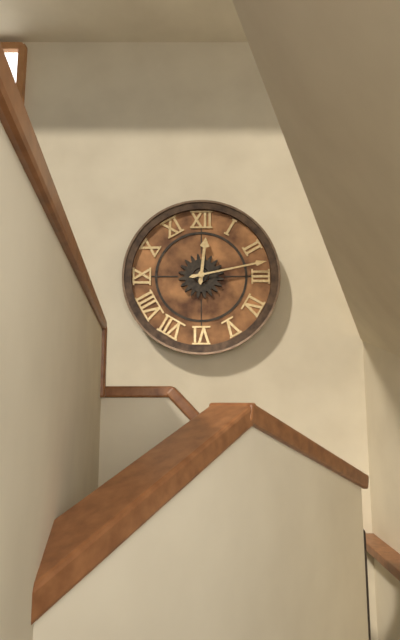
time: **12:13**
